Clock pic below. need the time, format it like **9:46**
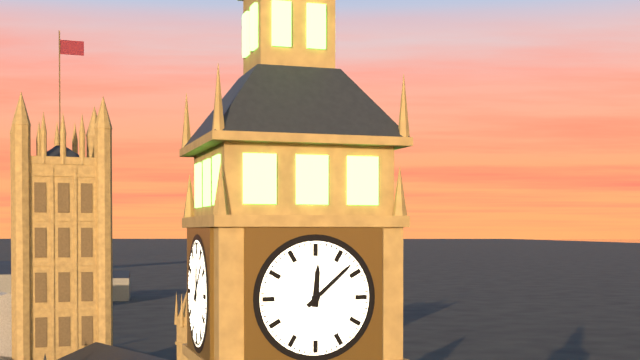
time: **12:08**
